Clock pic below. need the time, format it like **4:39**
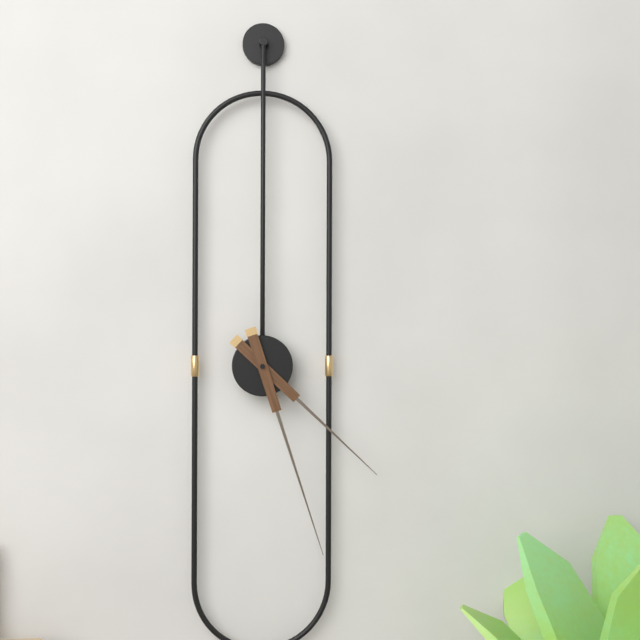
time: **4:27**
